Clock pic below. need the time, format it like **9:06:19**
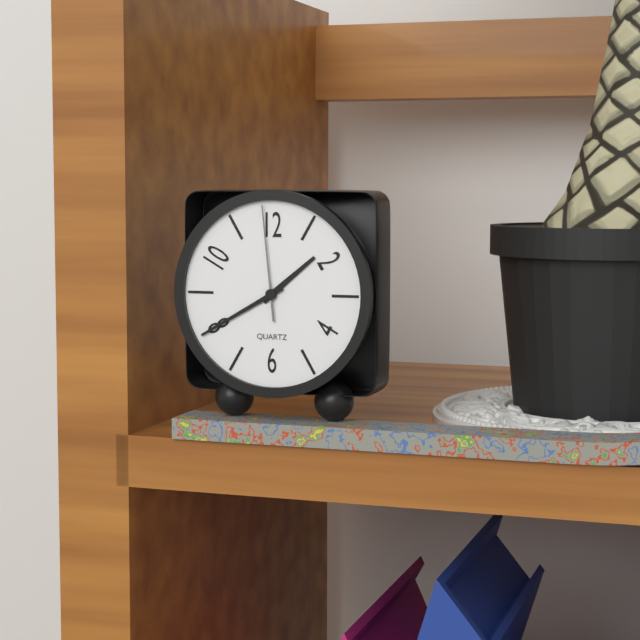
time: **1:40:59**
